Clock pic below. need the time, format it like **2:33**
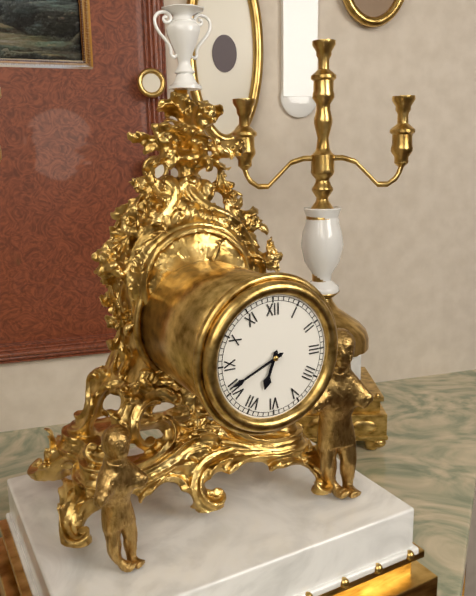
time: **6:41**
